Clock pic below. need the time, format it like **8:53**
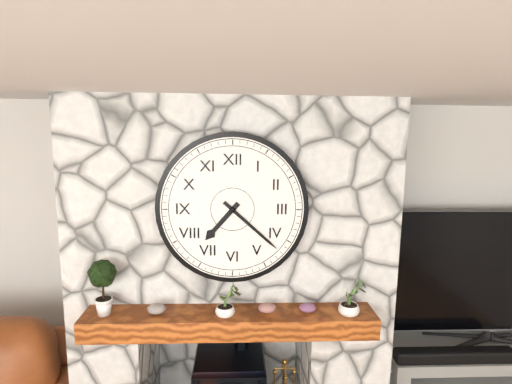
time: **7:22**
